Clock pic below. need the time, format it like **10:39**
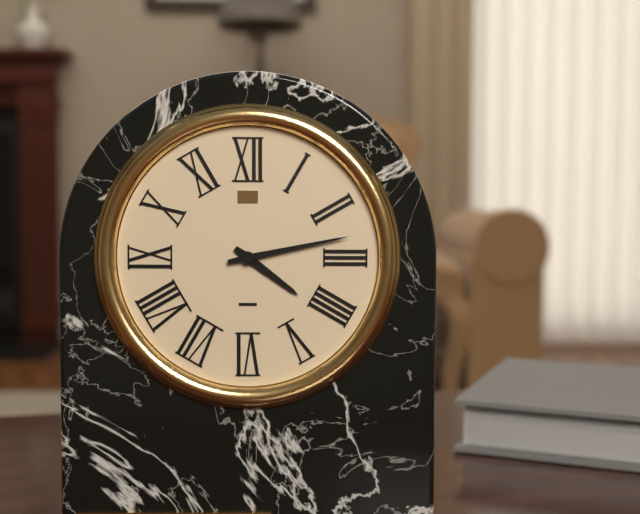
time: **4:13**
